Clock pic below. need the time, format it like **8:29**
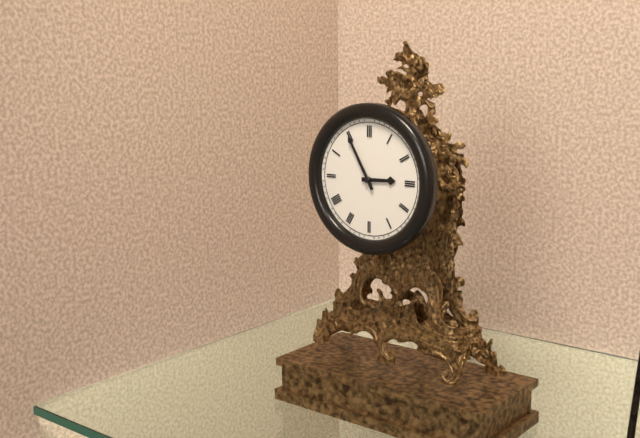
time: **2:55**
